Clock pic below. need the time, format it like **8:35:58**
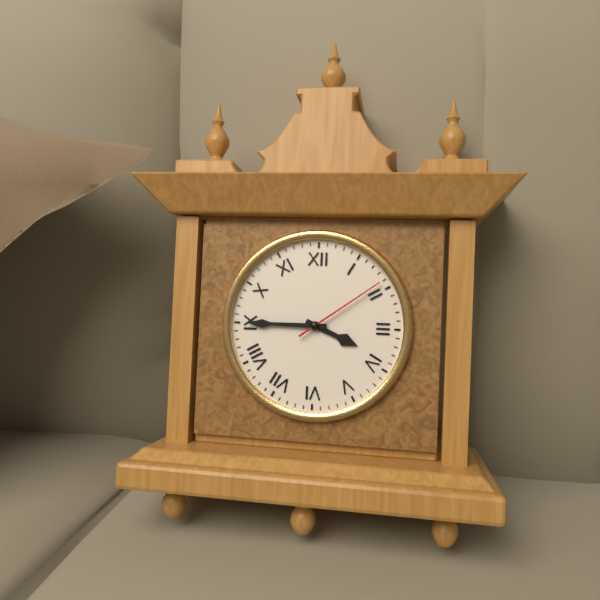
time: **3:45:09**
